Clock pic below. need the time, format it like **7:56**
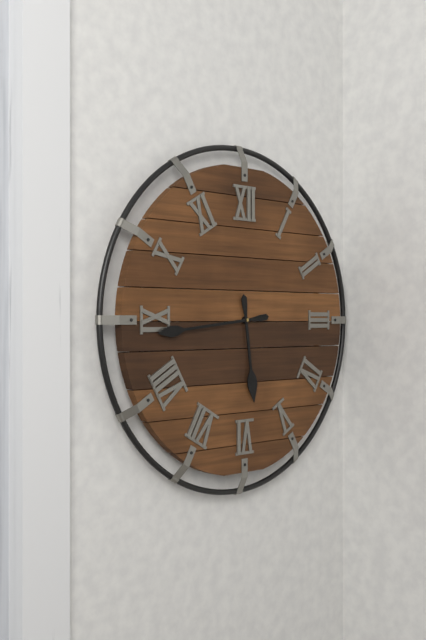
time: **5:44**
